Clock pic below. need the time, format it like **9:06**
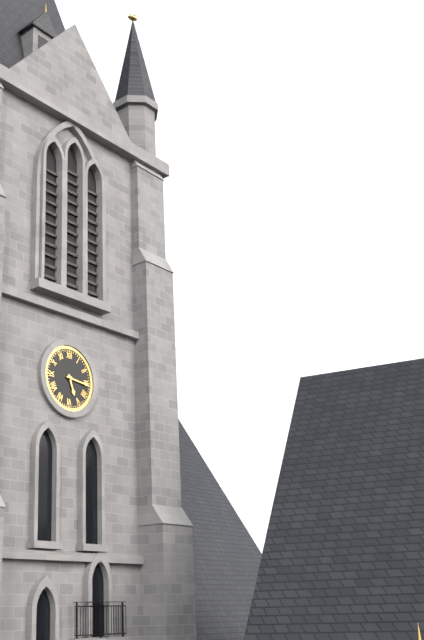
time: **5:16**
